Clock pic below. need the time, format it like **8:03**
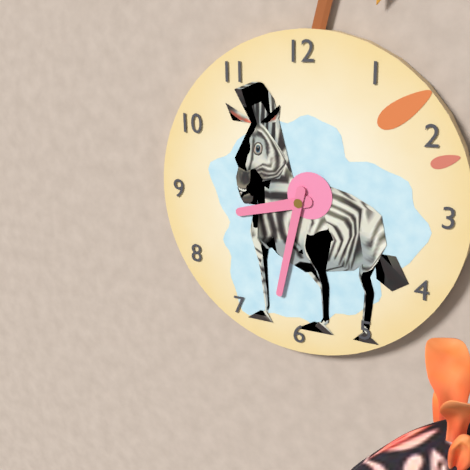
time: **8:32**
